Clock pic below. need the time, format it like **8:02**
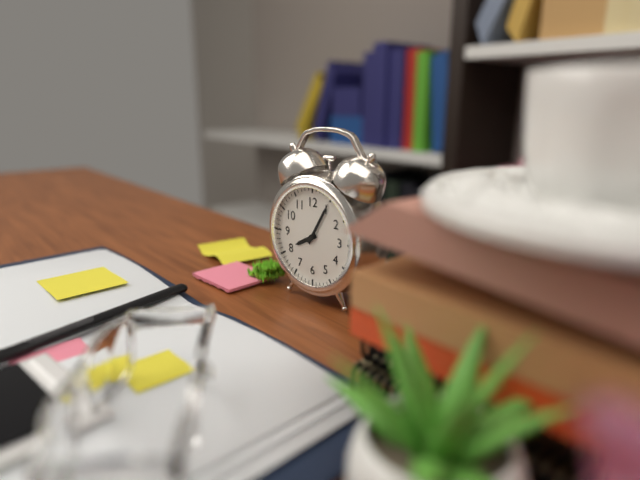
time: **8:05**
